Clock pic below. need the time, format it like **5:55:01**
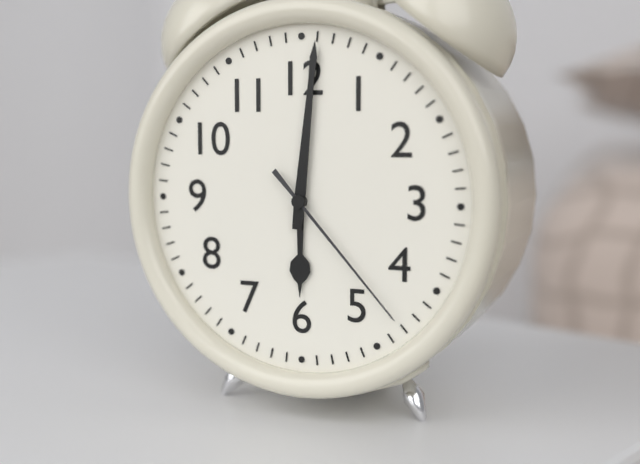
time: **6:01:23**
